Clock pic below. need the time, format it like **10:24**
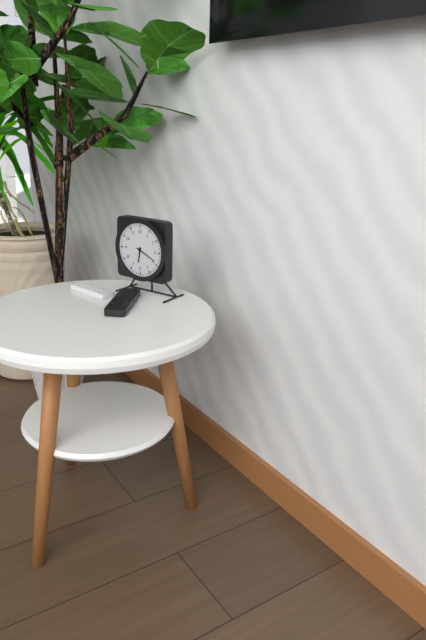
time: **6:19**
